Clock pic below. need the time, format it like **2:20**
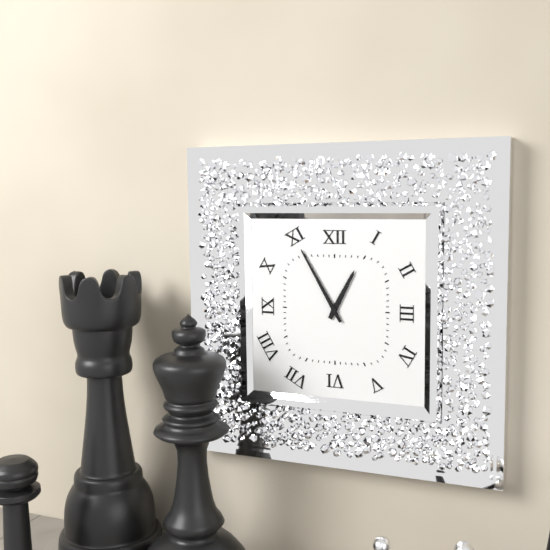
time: **12:55**
